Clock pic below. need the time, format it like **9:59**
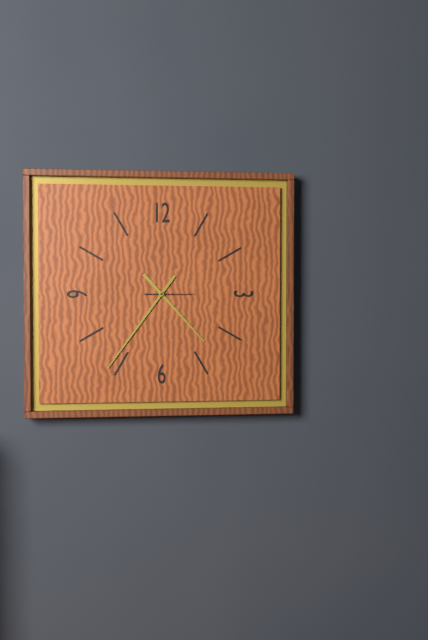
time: **4:36**
